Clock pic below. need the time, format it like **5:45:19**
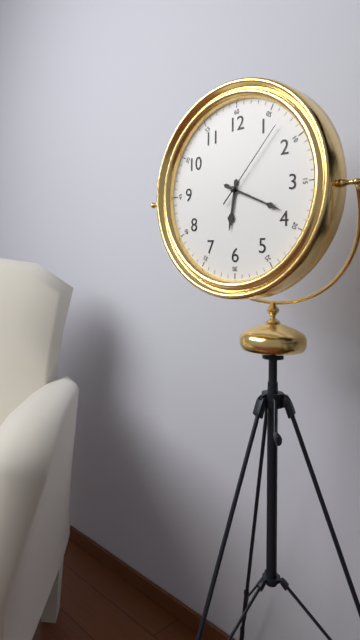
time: **6:19:07**
